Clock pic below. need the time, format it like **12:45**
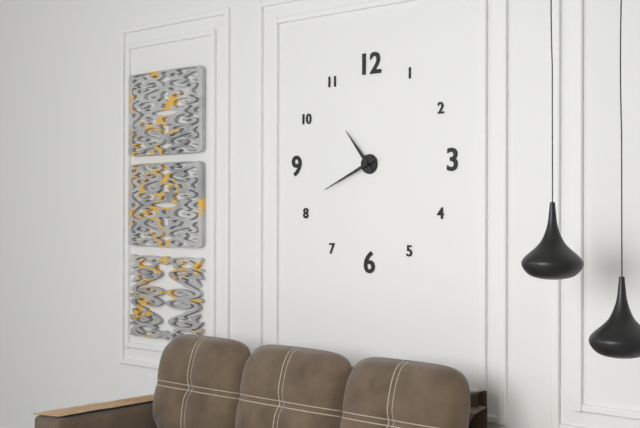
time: **10:41**
